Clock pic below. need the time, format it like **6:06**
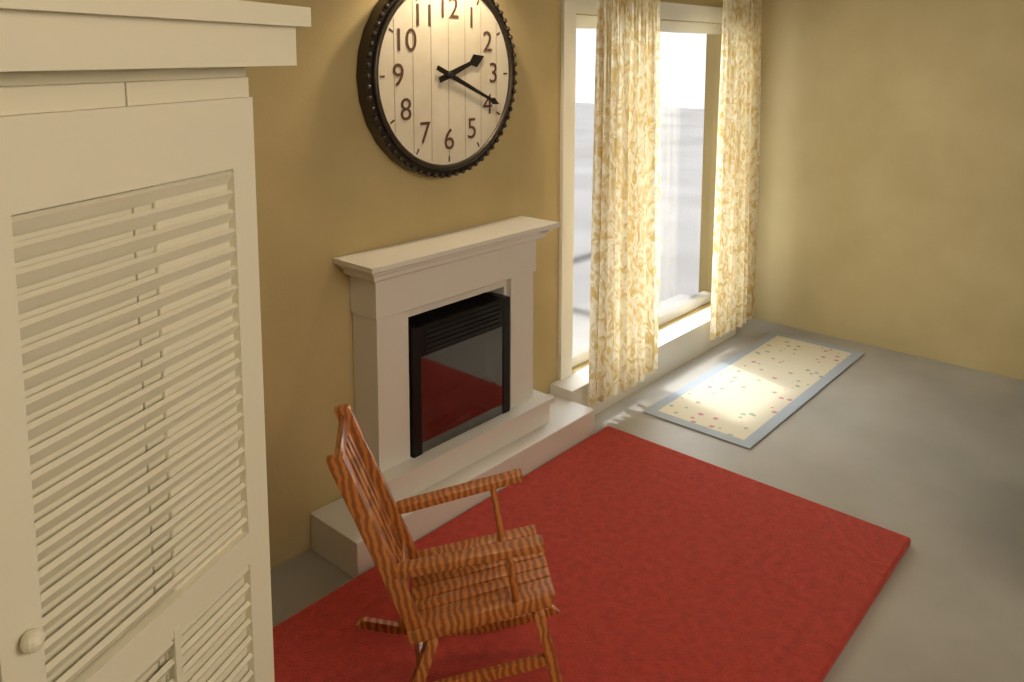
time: **2:19**
